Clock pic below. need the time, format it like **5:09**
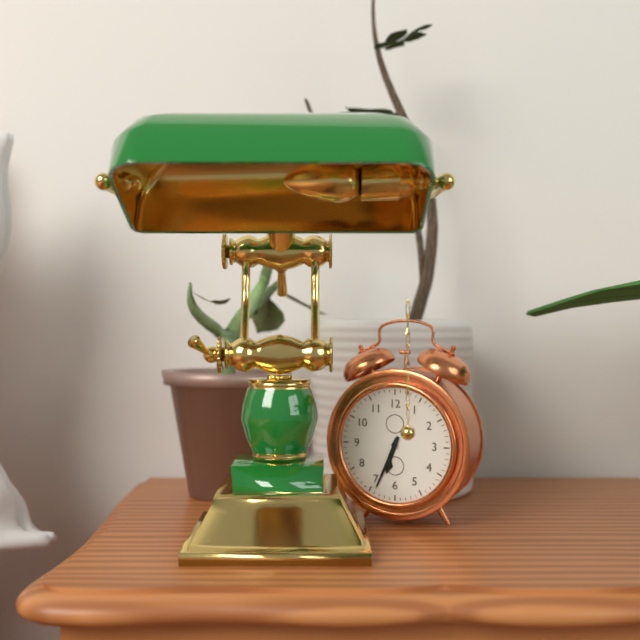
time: **6:34**
